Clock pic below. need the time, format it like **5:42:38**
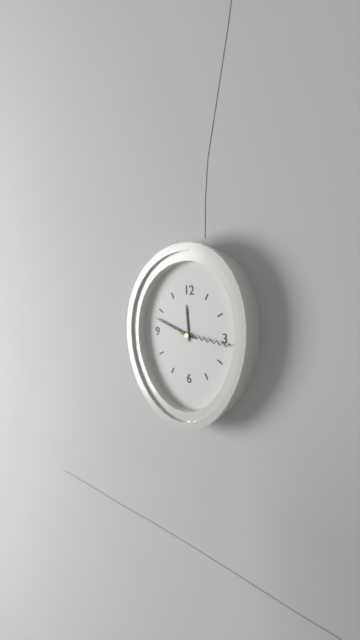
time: **11:48:16**
